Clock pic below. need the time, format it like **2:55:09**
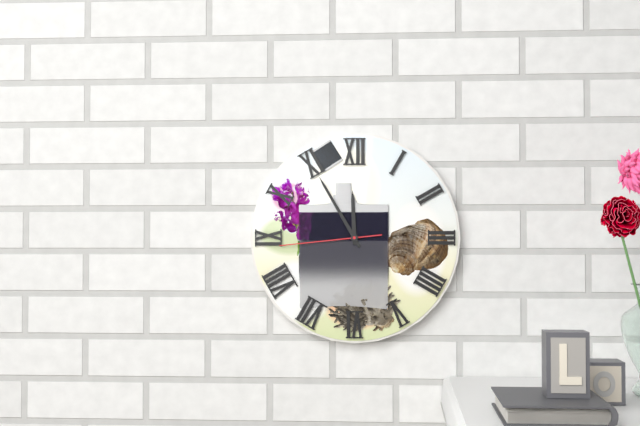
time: **11:55:44**
